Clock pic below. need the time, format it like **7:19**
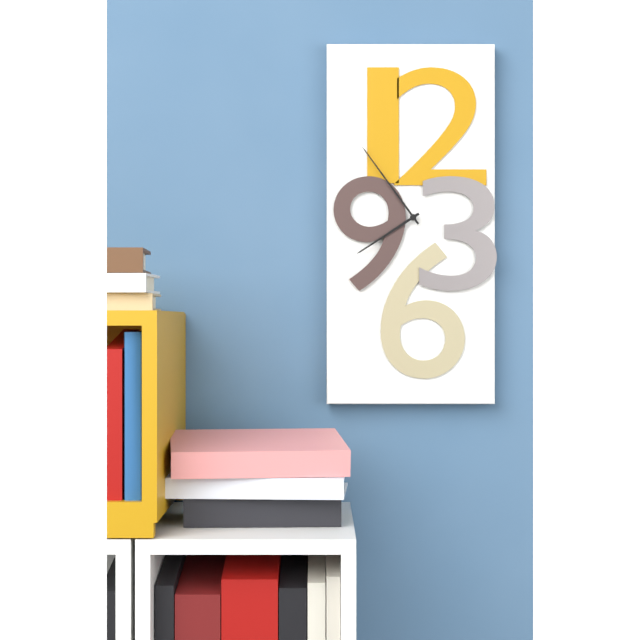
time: **7:54**
